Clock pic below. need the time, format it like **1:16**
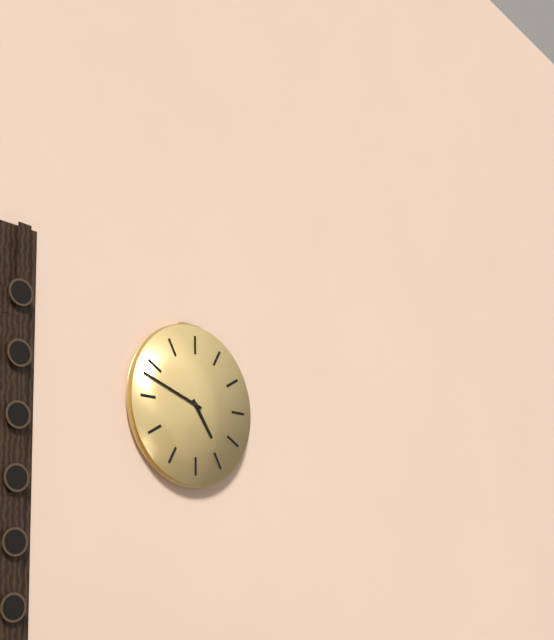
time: **4:48**
